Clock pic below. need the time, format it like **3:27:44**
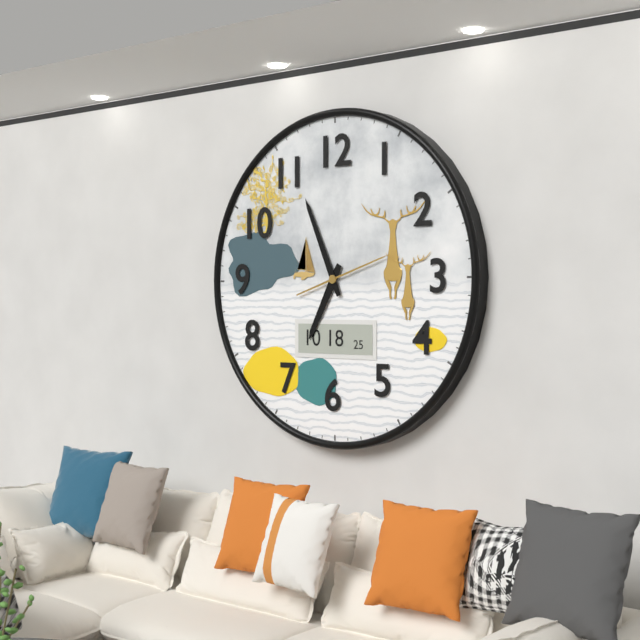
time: **6:56:12**
